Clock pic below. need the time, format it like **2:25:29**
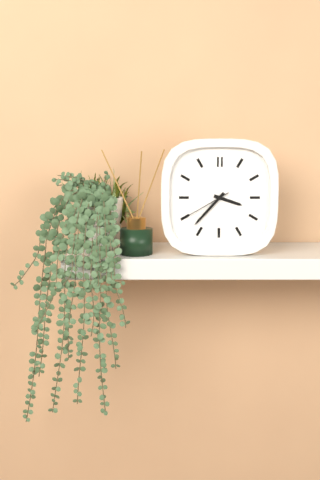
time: **3:37:40**
